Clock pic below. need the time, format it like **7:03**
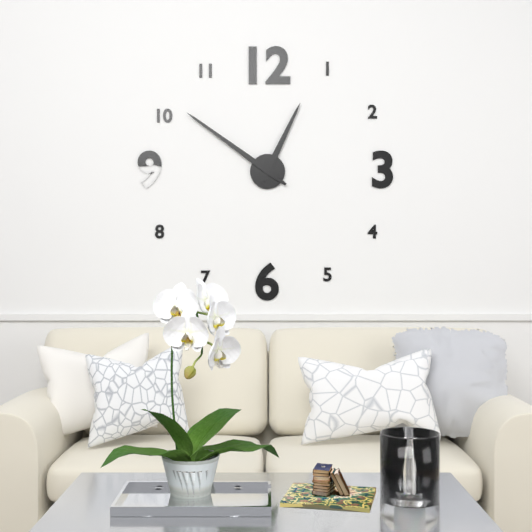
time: **12:51**
